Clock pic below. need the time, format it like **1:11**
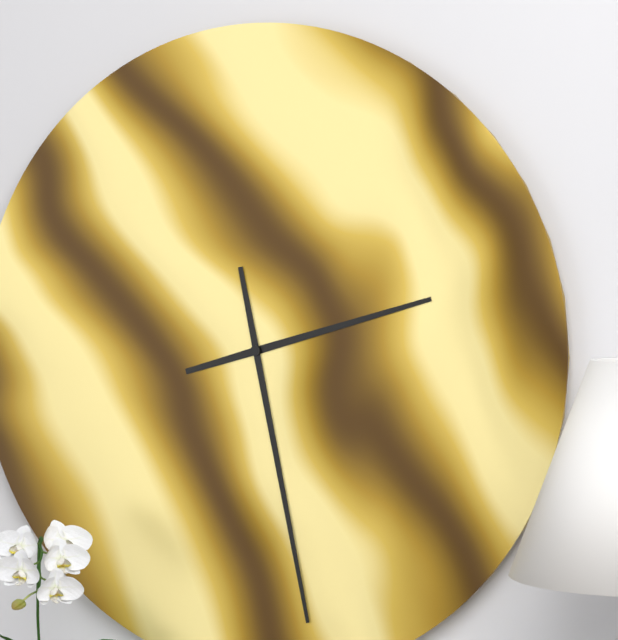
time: **2:28**
